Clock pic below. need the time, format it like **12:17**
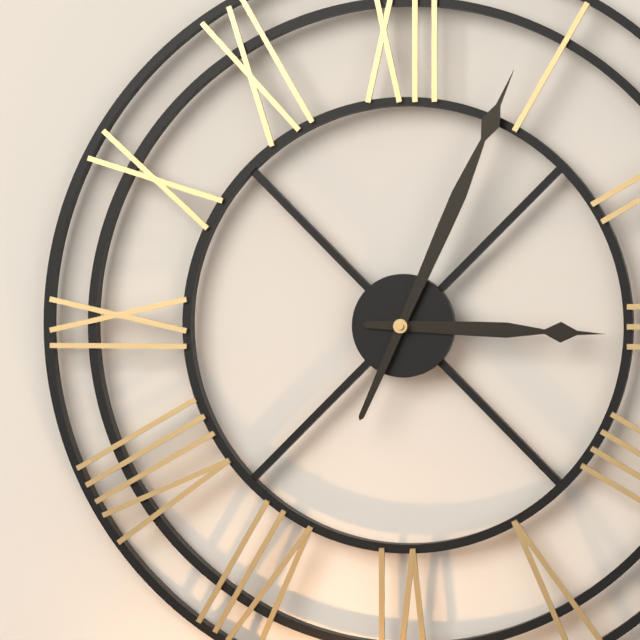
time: **3:04**
